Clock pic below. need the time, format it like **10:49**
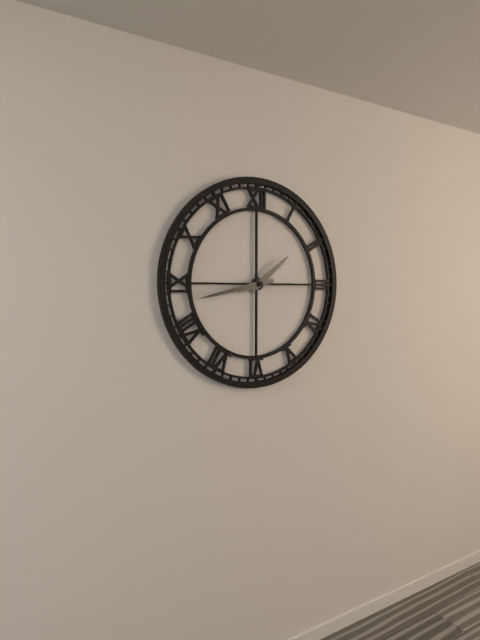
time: **1:43**
